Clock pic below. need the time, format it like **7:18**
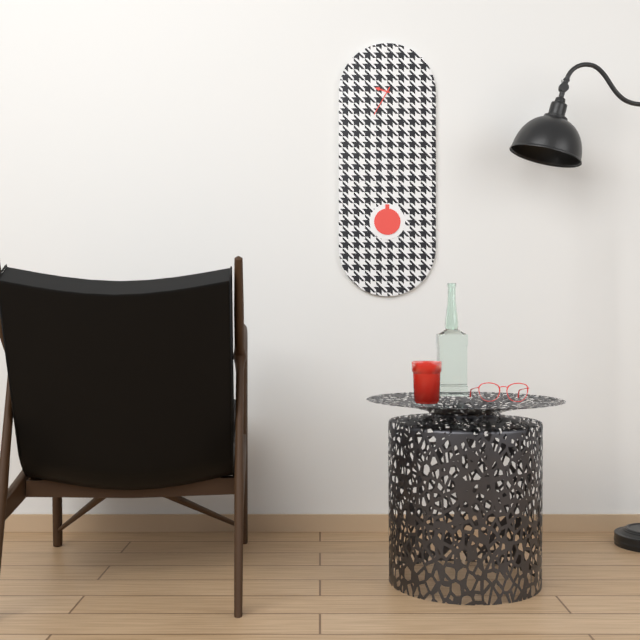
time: **9:35**
